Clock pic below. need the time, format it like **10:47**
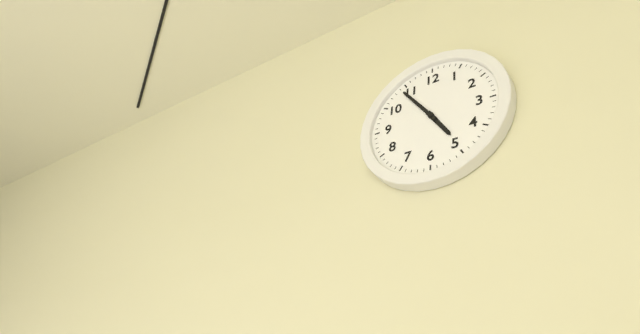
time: **4:54**
